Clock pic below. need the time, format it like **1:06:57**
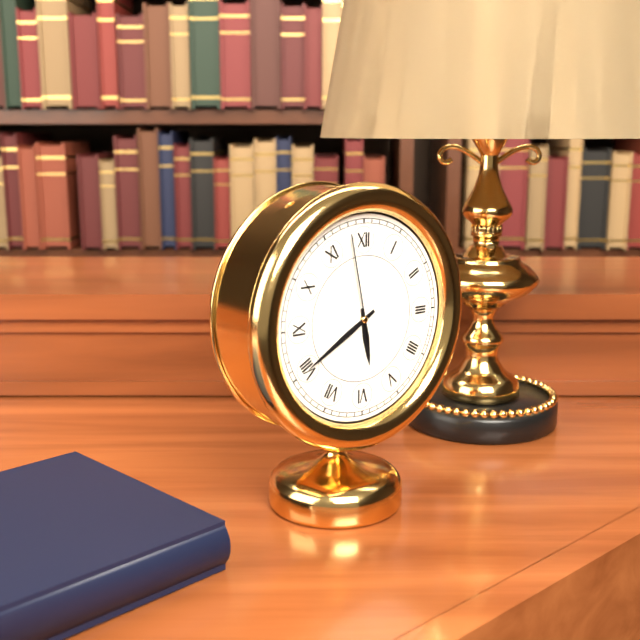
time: **5:40:58**
